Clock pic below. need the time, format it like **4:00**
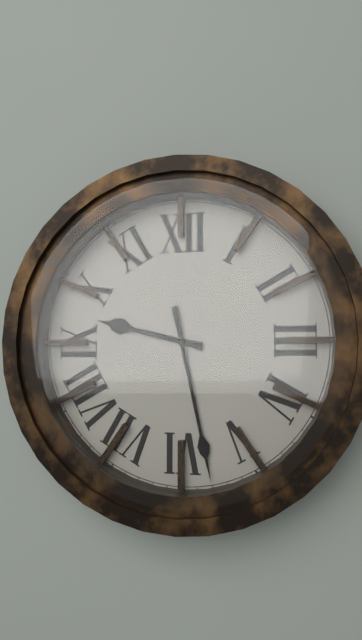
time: **9:28**
